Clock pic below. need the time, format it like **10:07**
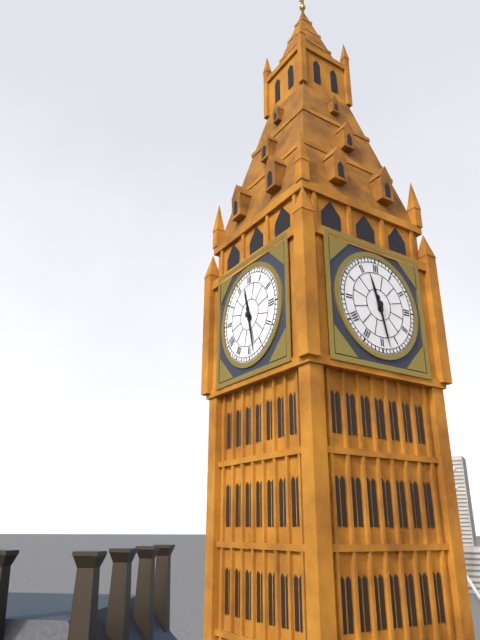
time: **11:28**
